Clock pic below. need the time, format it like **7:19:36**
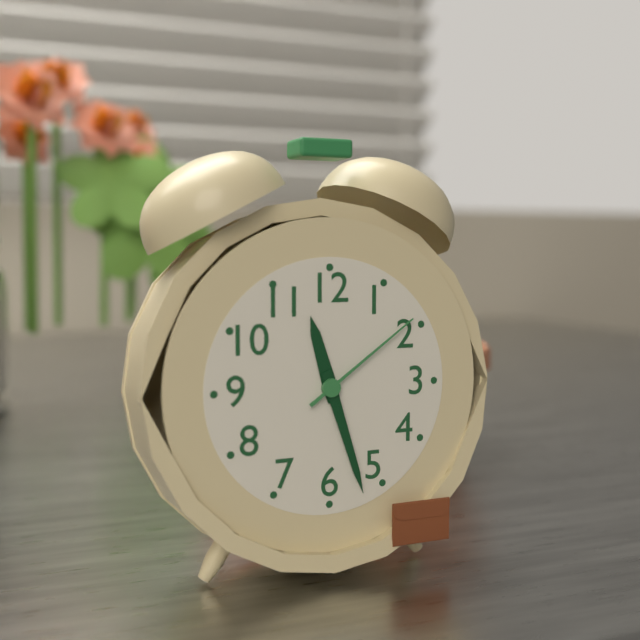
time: **11:27:09**
